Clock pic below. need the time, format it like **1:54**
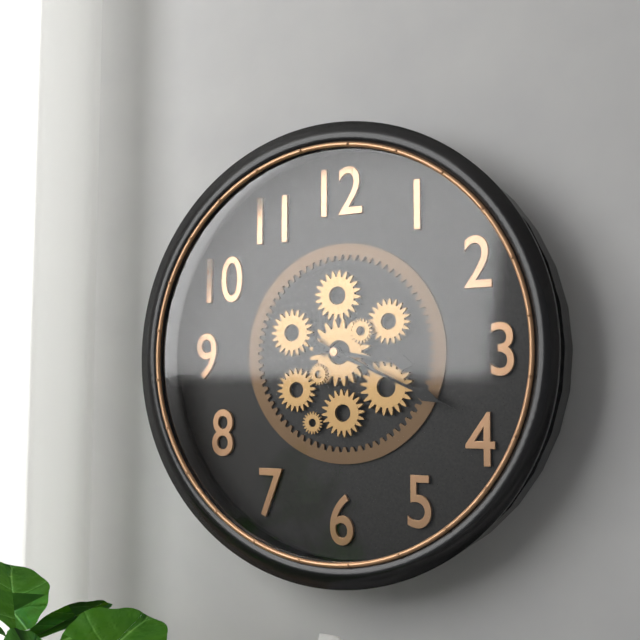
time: **3:19**
